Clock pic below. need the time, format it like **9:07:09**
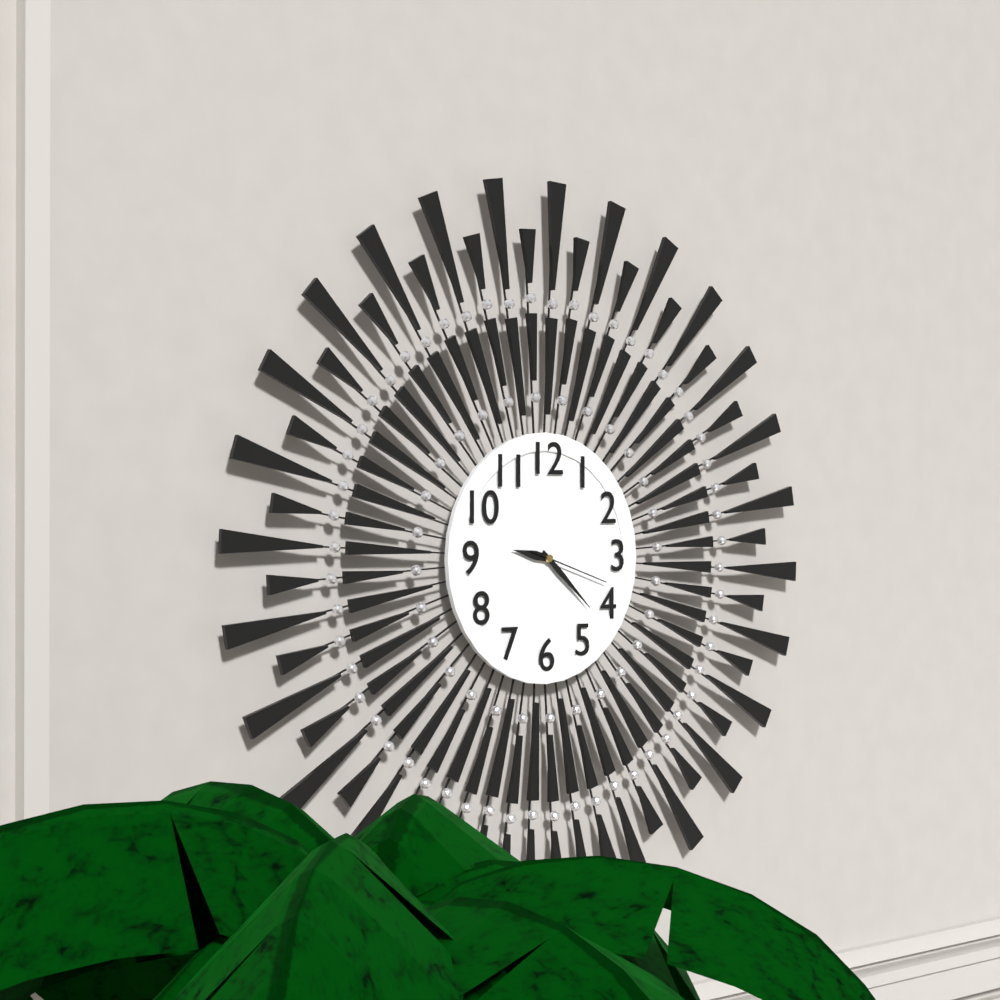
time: **9:22:18**
